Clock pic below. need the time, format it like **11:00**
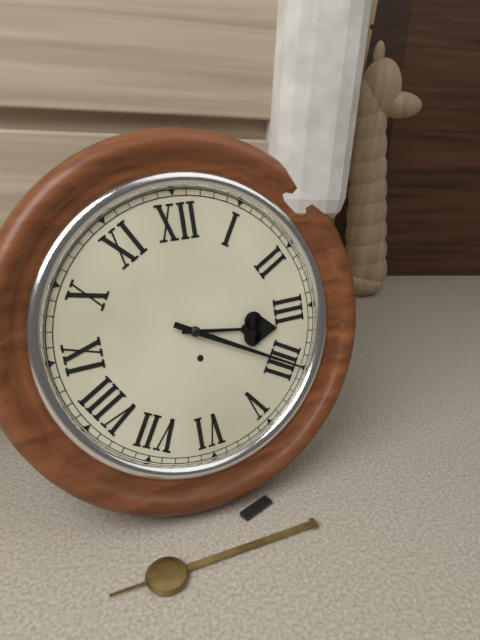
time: **3:20**
